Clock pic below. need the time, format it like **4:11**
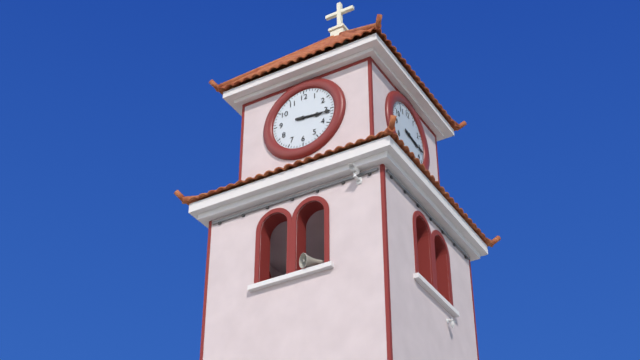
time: **3:16**
